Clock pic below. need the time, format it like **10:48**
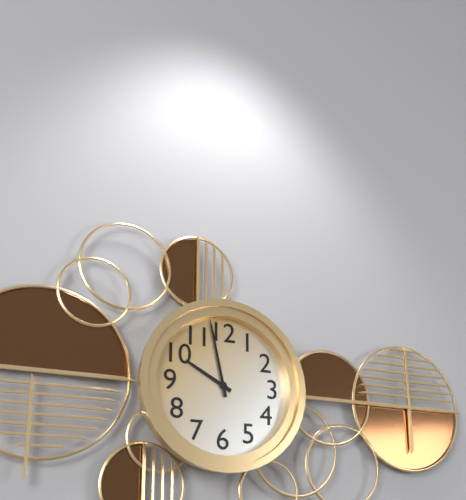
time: **9:58**
